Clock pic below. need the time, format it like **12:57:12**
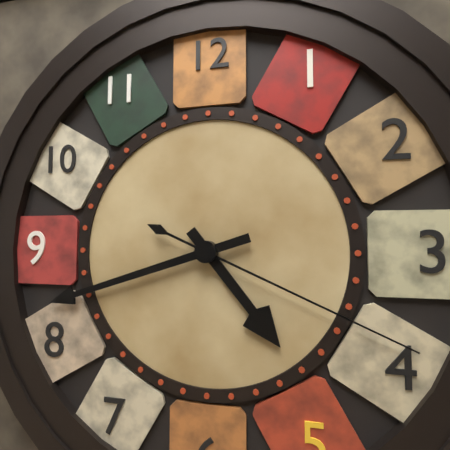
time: **4:42:19**
